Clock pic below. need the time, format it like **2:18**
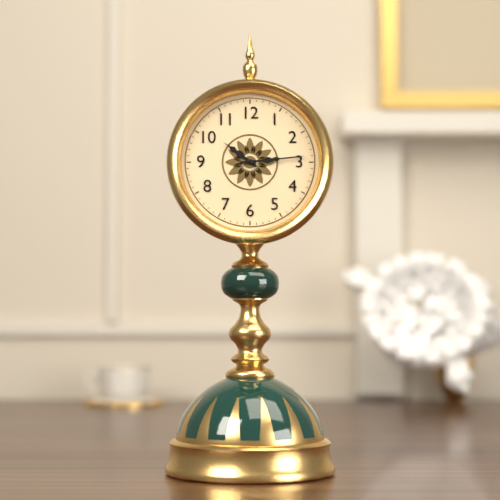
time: **10:14**
